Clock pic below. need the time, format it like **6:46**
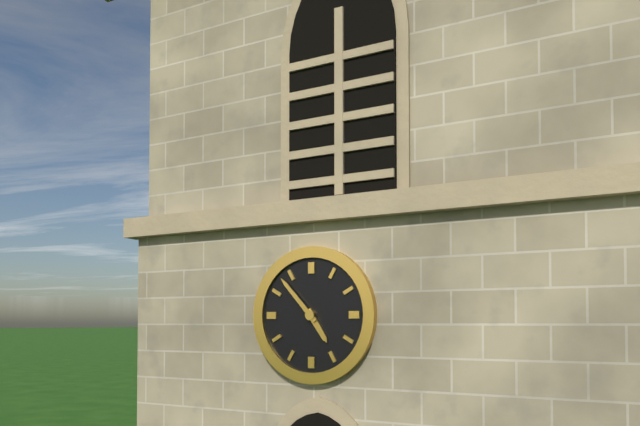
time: **4:53**
